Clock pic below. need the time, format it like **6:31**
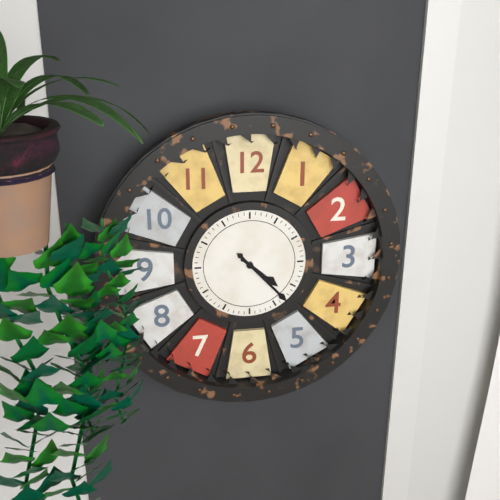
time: **4:23**
